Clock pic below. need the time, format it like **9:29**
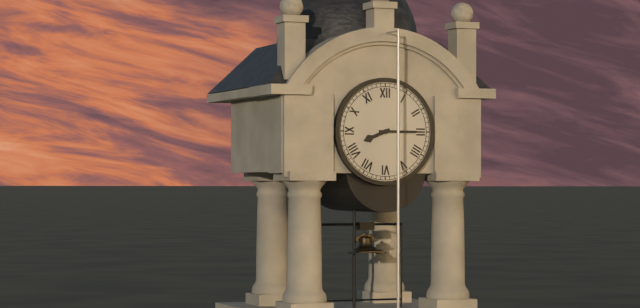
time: **8:15**
